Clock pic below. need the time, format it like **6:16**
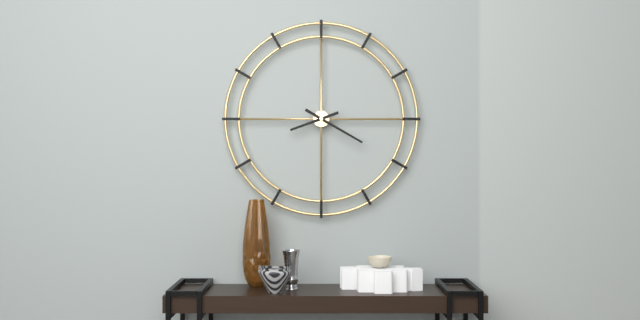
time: **8:20**
